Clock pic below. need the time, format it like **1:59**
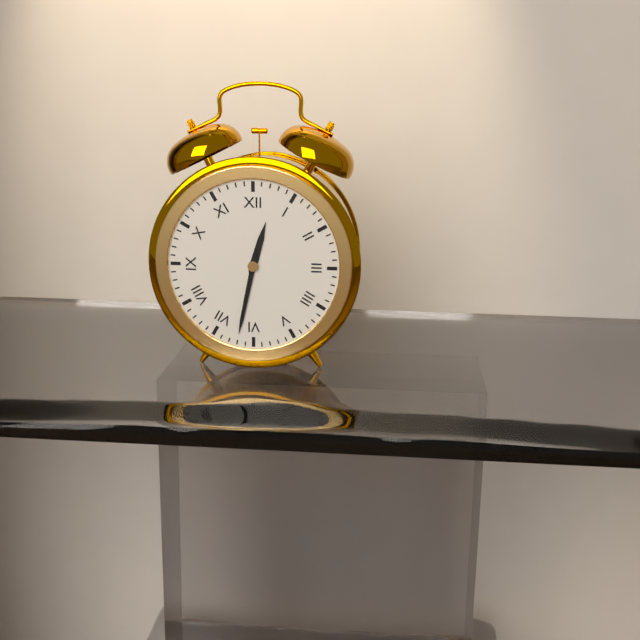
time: **12:32**
